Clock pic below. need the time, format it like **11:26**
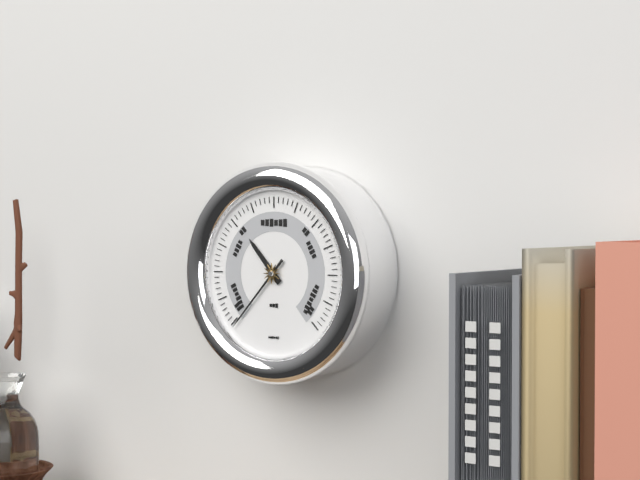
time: **10:37**
